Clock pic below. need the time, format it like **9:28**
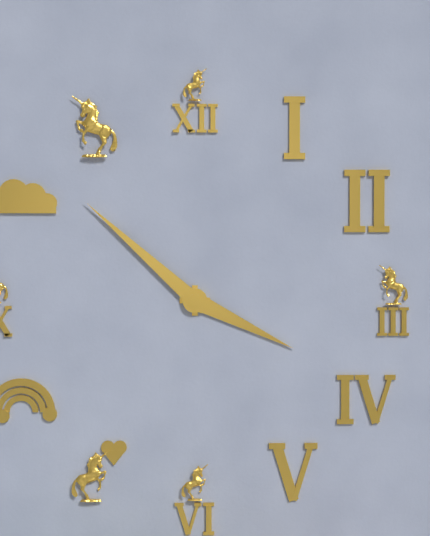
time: **3:52**
